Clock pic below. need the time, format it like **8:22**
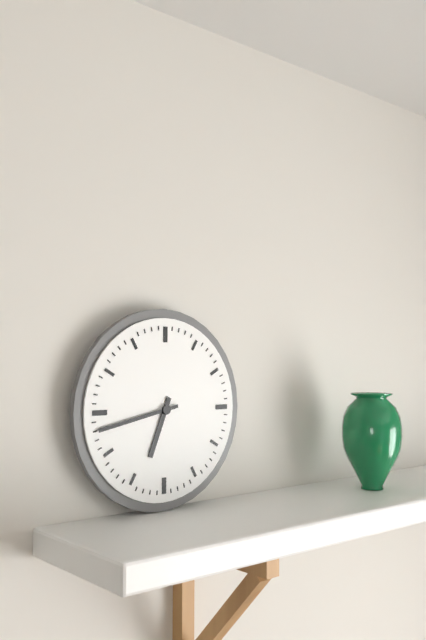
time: **6:43**
